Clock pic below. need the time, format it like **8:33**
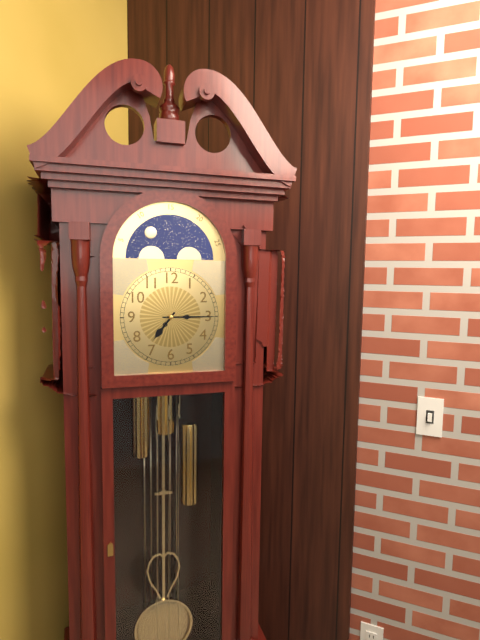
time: **7:15**
